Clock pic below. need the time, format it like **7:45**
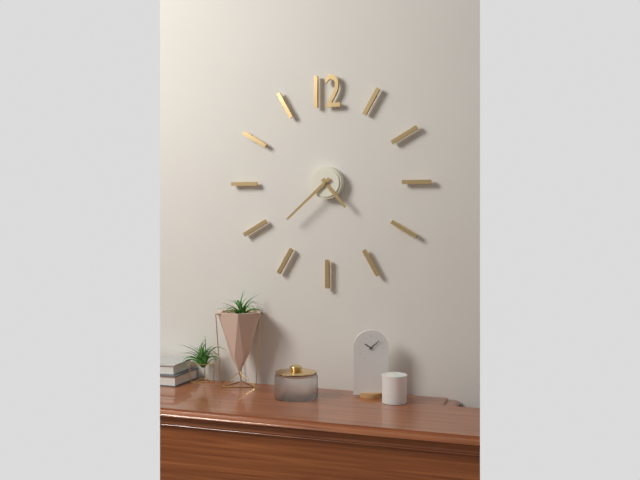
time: **4:38**
